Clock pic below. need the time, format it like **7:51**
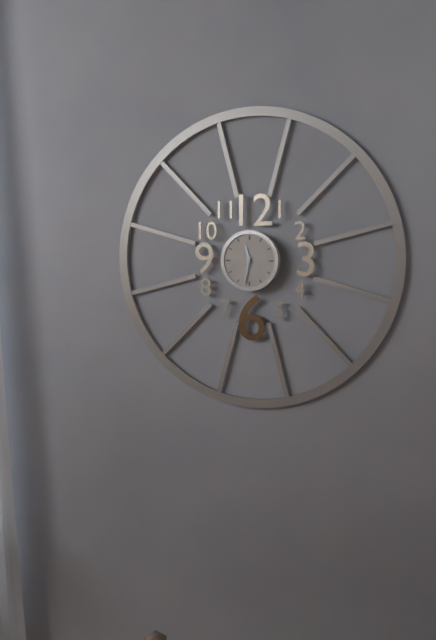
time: **11:32**
